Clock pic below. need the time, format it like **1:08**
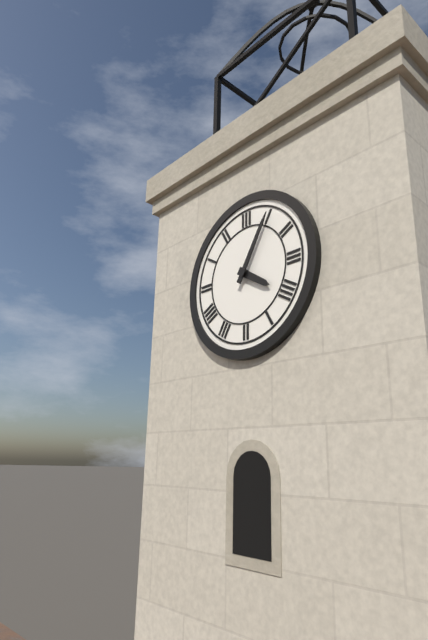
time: **4:05**
